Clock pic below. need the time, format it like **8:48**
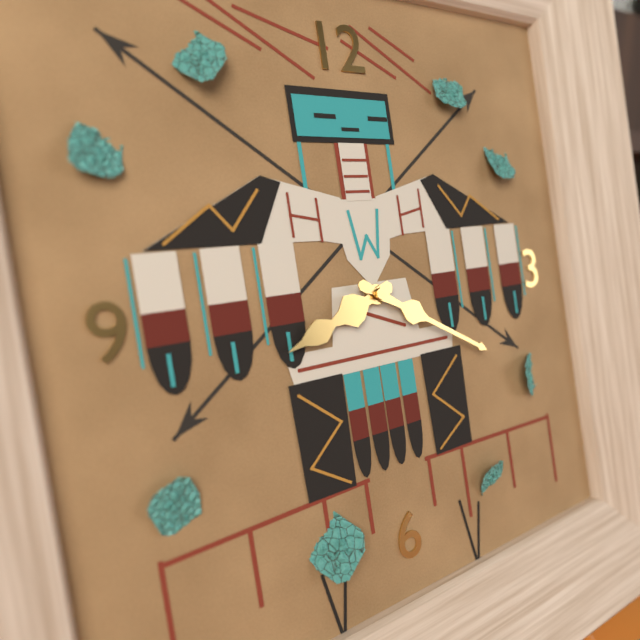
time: **8:20**
